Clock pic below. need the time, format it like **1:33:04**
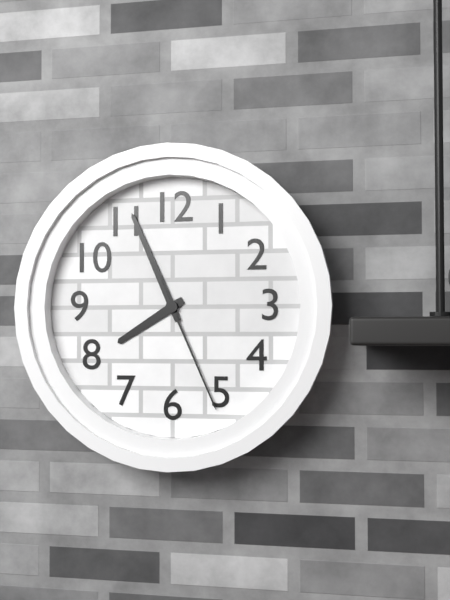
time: **7:56:26**
